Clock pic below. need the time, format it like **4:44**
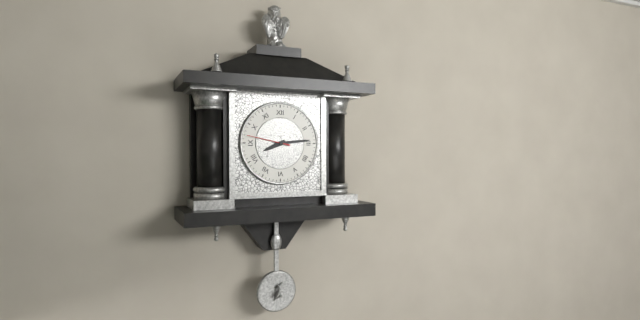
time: **8:14**
